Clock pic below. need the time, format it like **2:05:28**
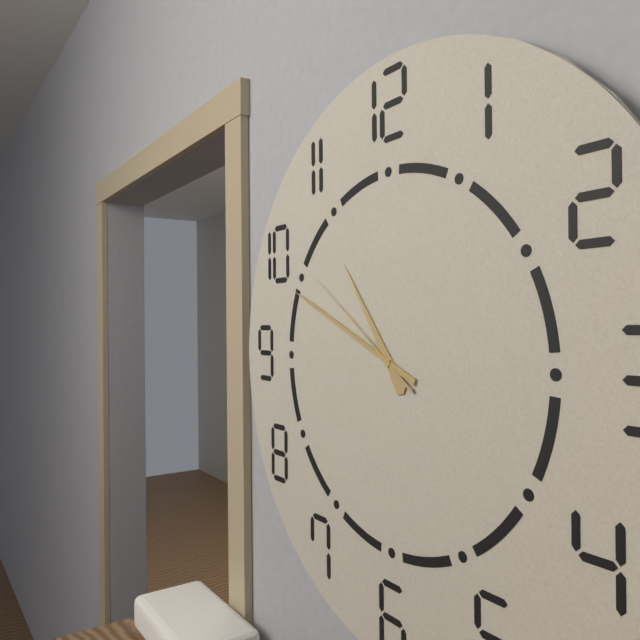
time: **10:49:51**
